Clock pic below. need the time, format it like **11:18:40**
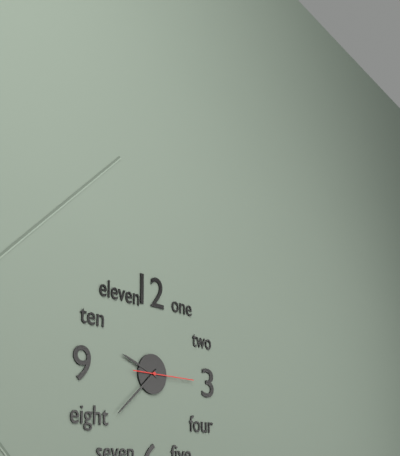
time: **9:38:15**
